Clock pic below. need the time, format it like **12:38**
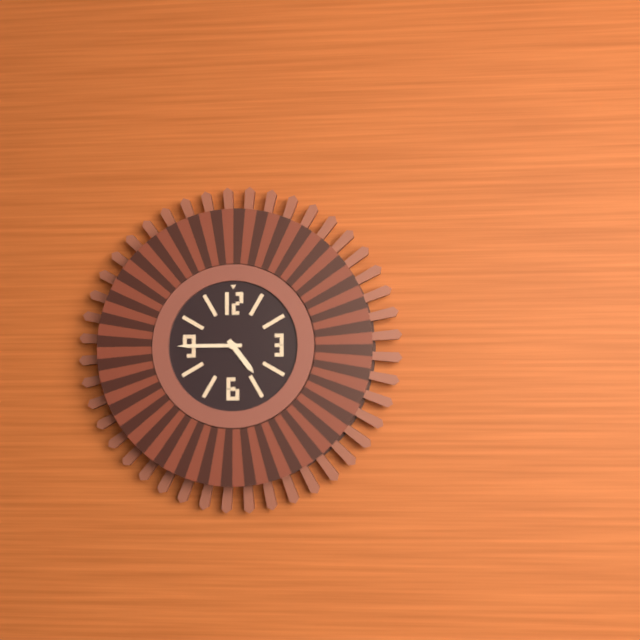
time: **4:45**
